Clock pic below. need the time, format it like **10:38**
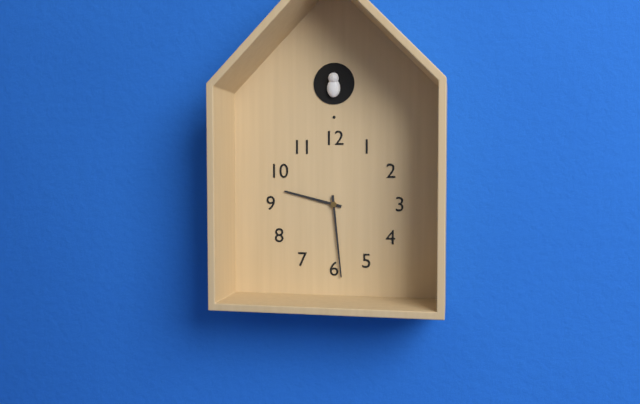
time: **9:29**
